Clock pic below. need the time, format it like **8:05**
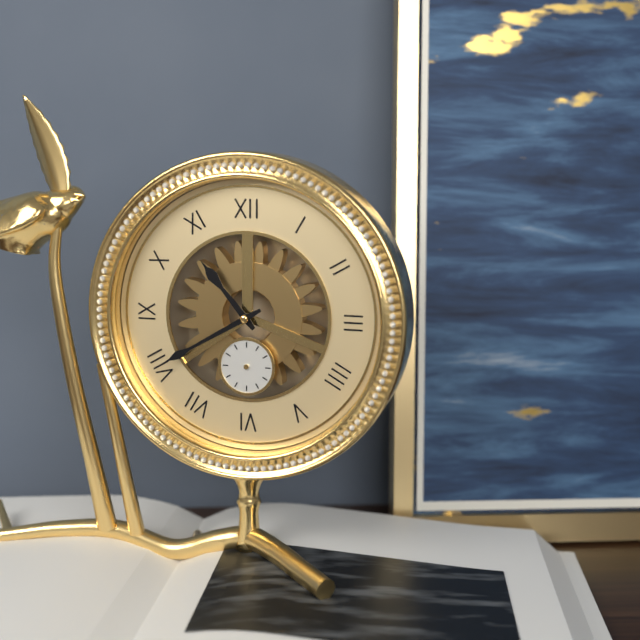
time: **10:40**
